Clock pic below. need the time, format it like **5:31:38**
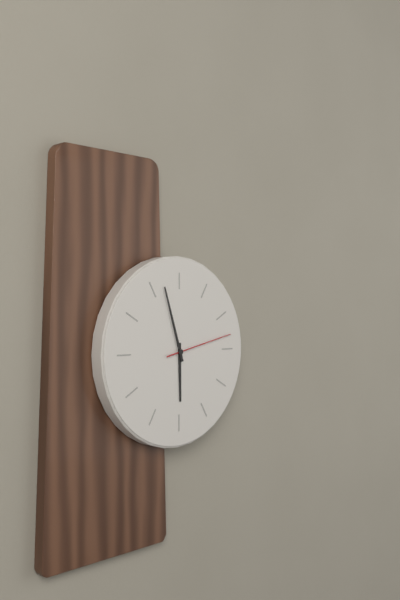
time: **5:57:13**
